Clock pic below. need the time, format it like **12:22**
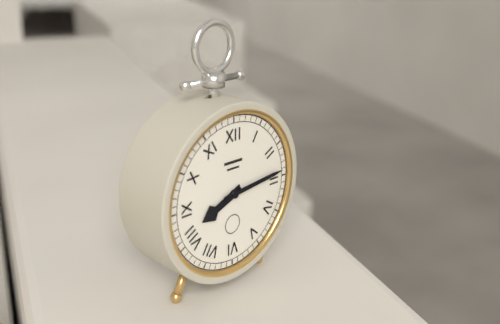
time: **8:14**
